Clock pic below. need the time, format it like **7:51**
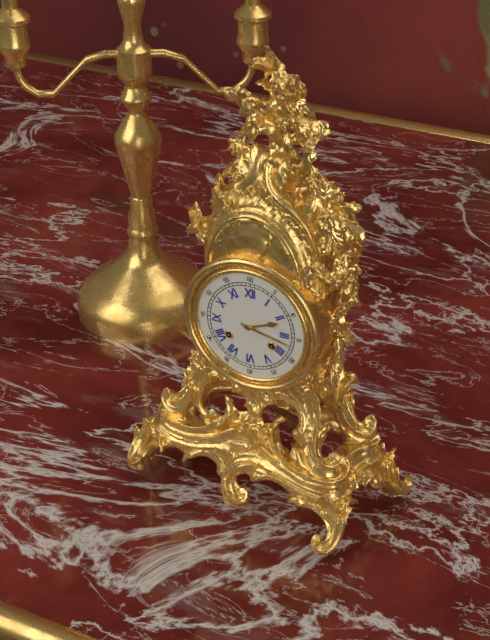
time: **2:17**
